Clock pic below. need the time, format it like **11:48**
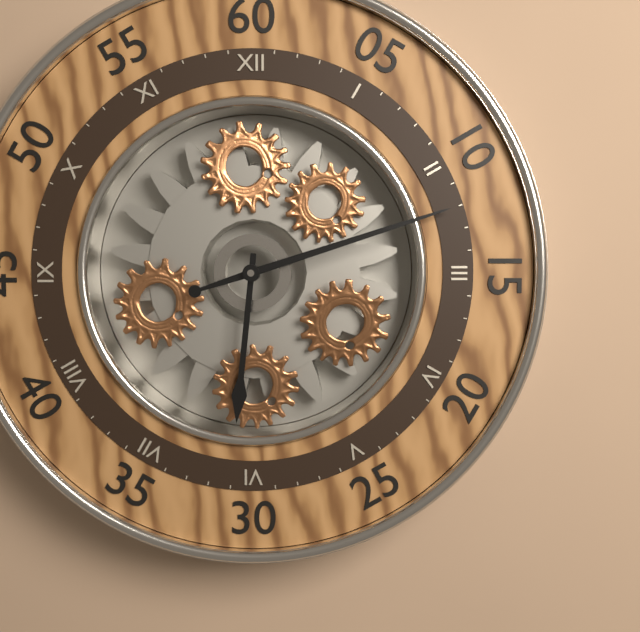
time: **6:12**
